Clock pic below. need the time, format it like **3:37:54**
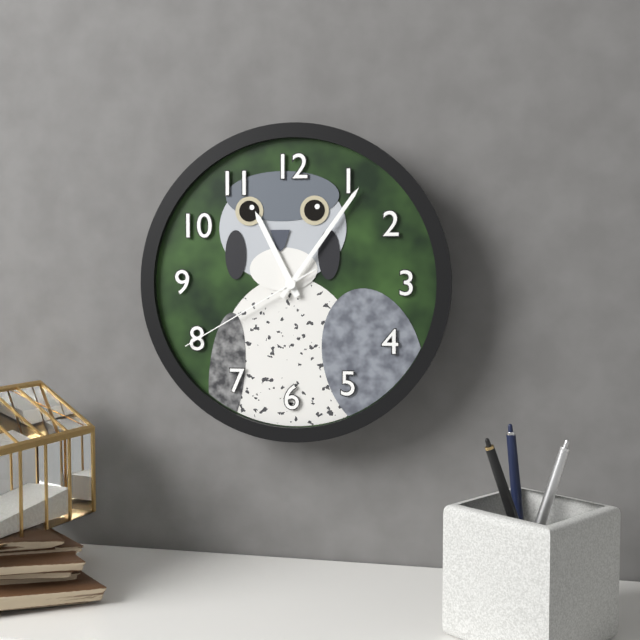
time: **11:06:40**
